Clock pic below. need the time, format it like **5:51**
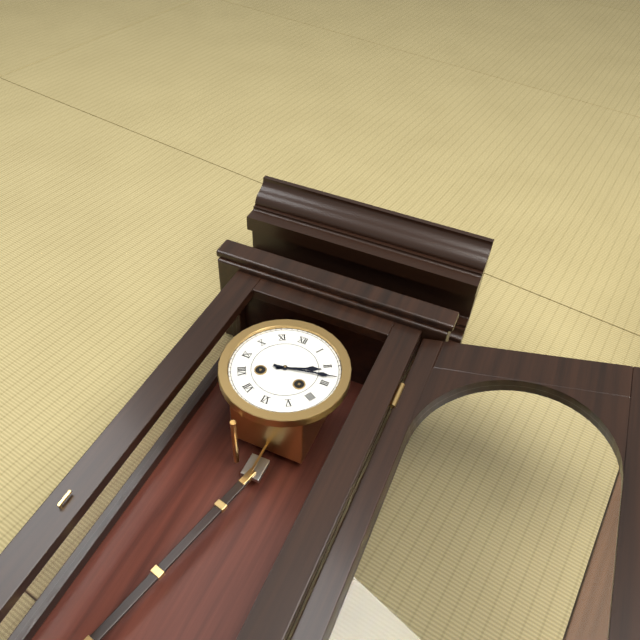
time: **2:13**
